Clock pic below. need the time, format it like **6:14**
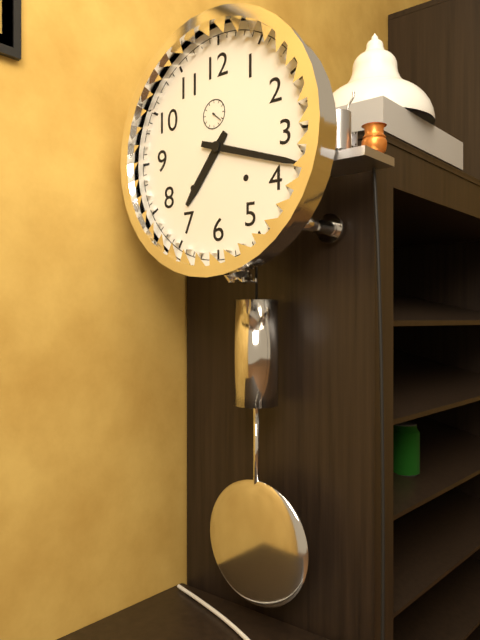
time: **7:18**
